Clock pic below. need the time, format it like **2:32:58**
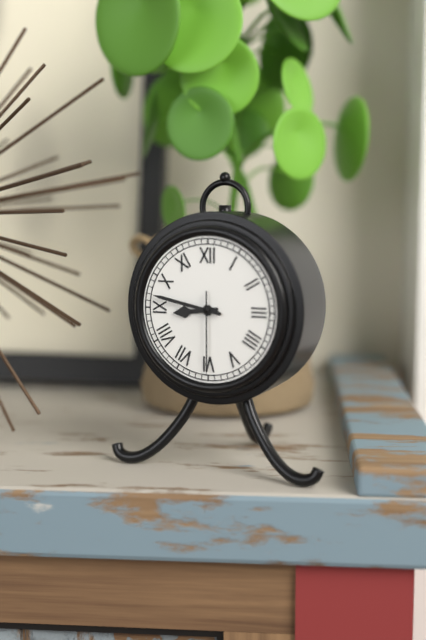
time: **8:47:30**
